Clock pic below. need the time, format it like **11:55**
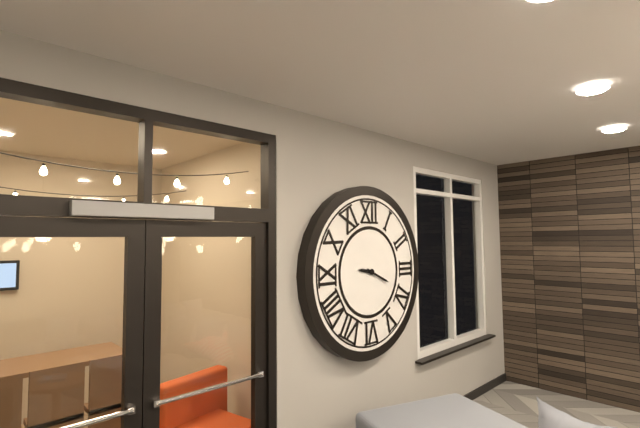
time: **9:19**
